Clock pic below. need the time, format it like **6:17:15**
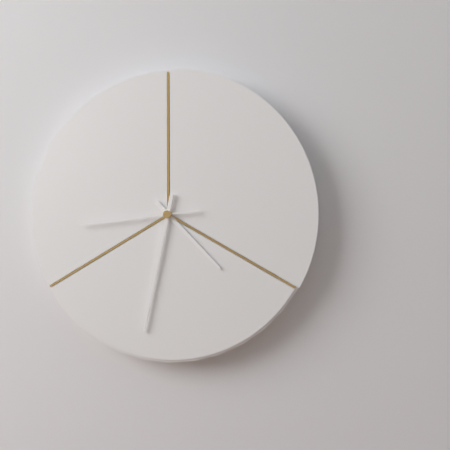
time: **4:32:44**
